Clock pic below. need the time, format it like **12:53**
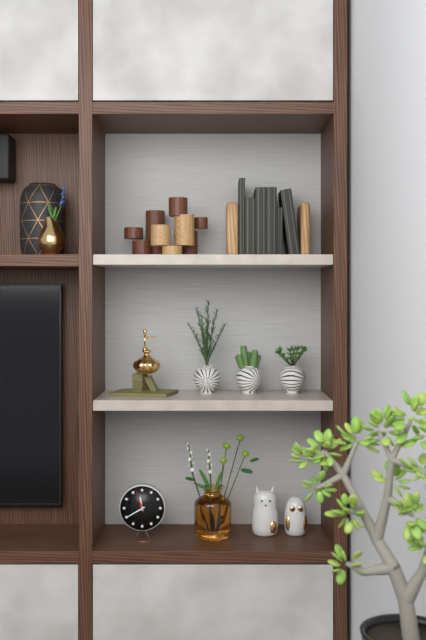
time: **11:40**
